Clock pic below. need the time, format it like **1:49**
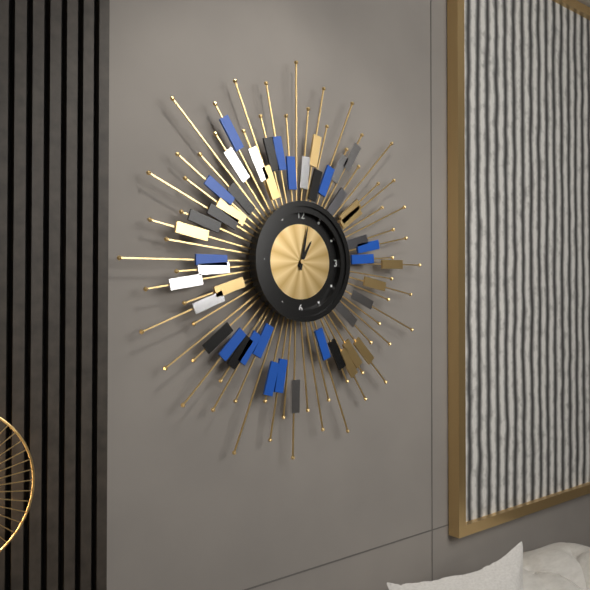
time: **1:02**
